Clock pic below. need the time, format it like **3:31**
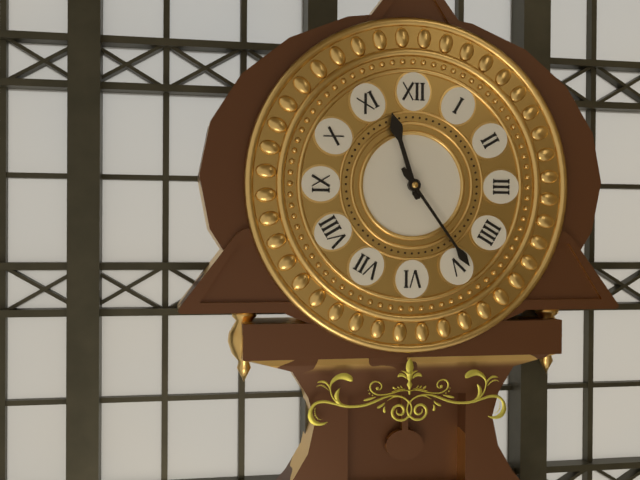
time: **11:24**
